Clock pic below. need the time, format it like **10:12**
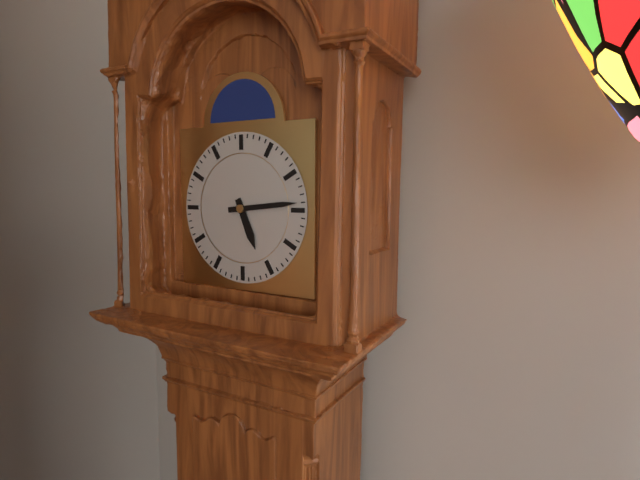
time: **5:14**
